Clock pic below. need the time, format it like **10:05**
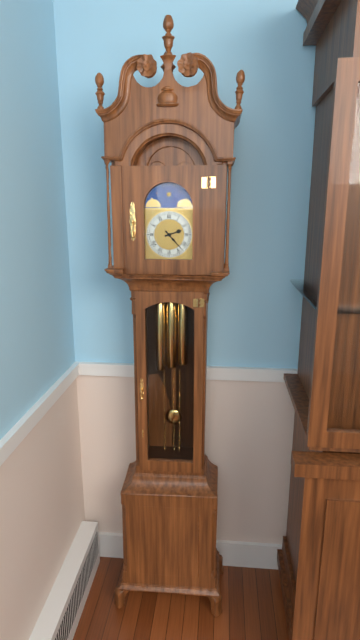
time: **2:23**
